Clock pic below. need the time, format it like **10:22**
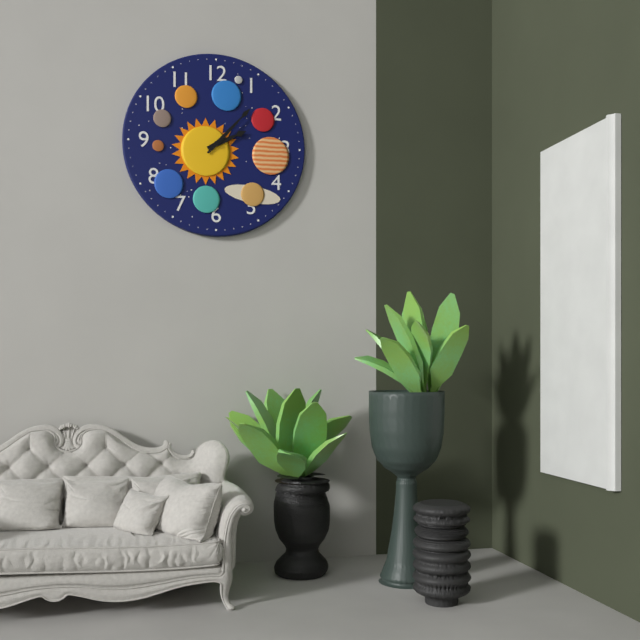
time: **2:07**
